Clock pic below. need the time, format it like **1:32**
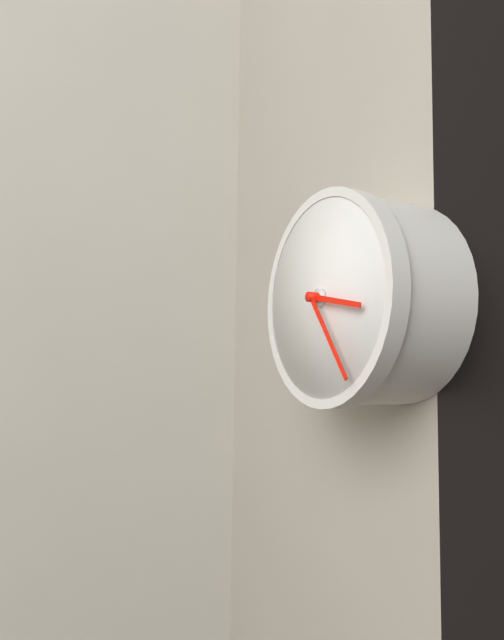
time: **3:24**
